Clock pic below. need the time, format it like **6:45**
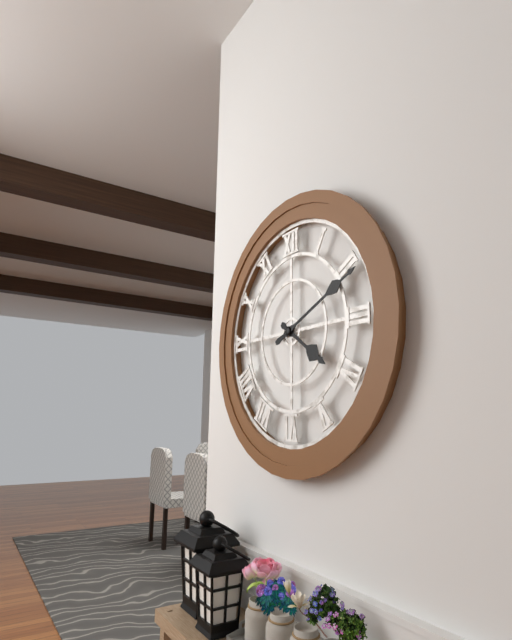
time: **4:11**
